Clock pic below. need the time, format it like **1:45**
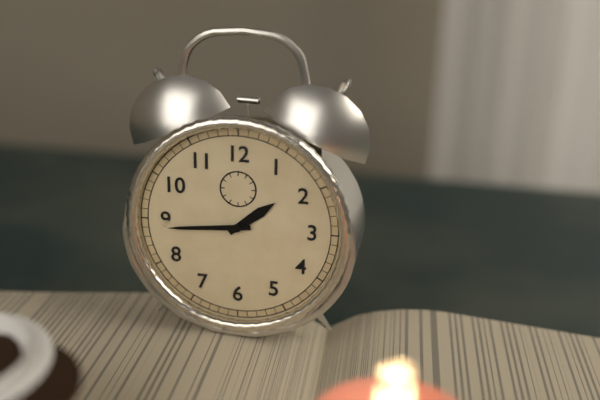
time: **1:44**
